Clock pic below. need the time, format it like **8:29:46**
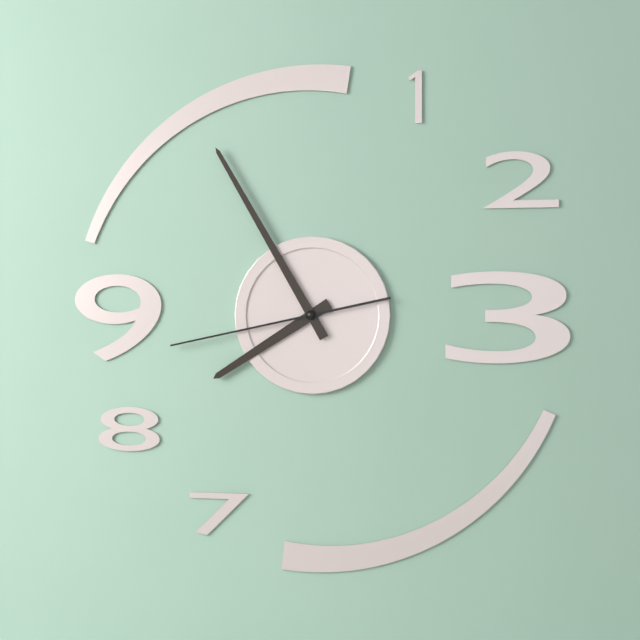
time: **7:55:43**
